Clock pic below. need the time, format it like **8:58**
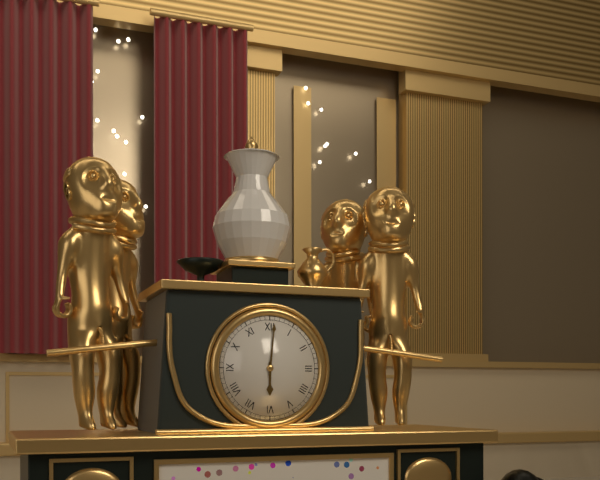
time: **6:01**
